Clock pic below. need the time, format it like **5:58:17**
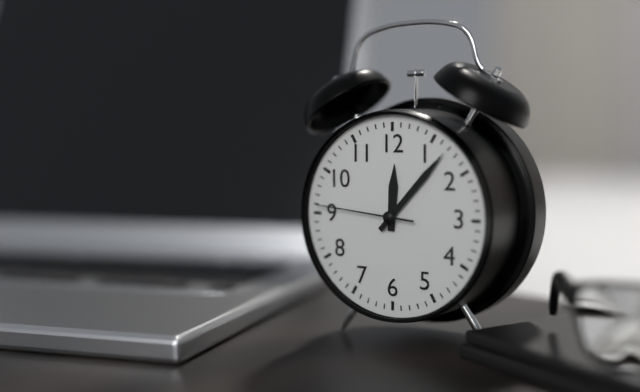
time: **12:07:46**
